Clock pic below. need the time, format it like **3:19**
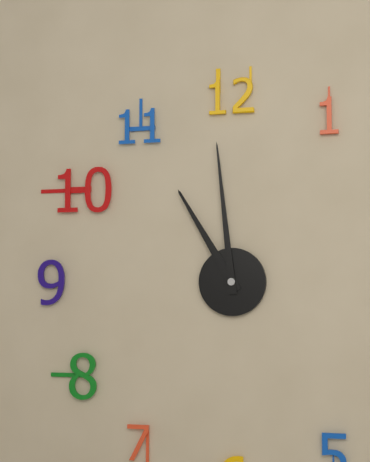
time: **10:59**
